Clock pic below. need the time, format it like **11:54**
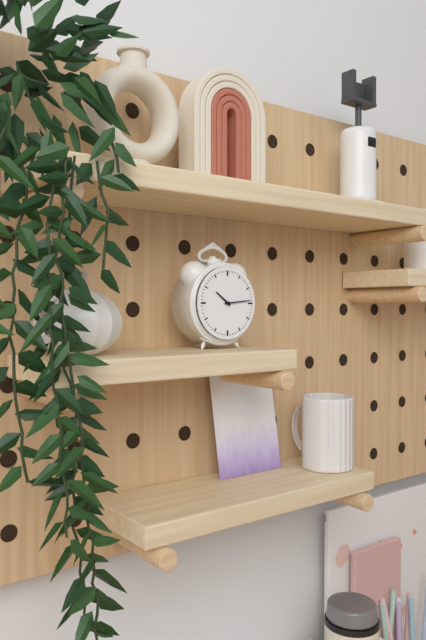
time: **10:14**
